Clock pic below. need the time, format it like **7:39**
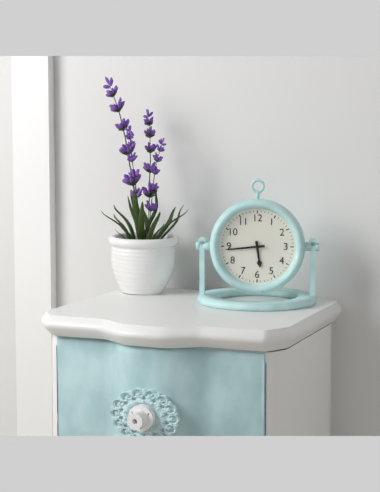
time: **5:44**
